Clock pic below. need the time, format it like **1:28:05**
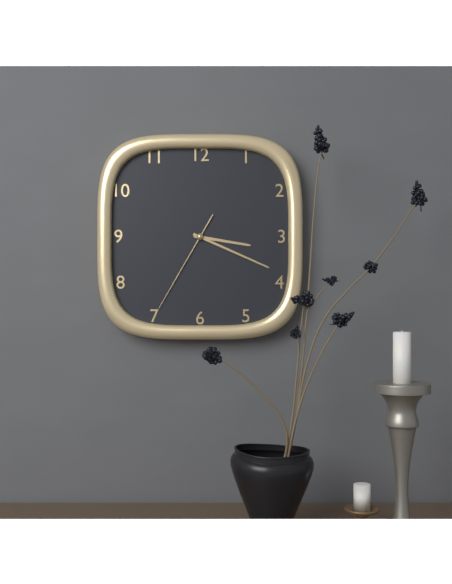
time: **3:19:35**
